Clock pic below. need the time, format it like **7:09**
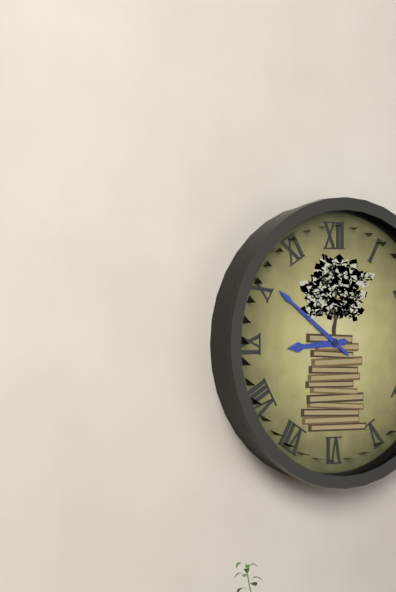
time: **8:51**
